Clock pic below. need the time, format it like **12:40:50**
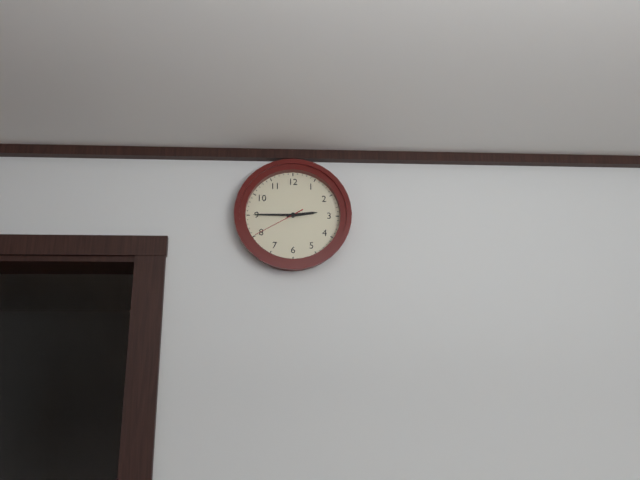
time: **2:45:40**
